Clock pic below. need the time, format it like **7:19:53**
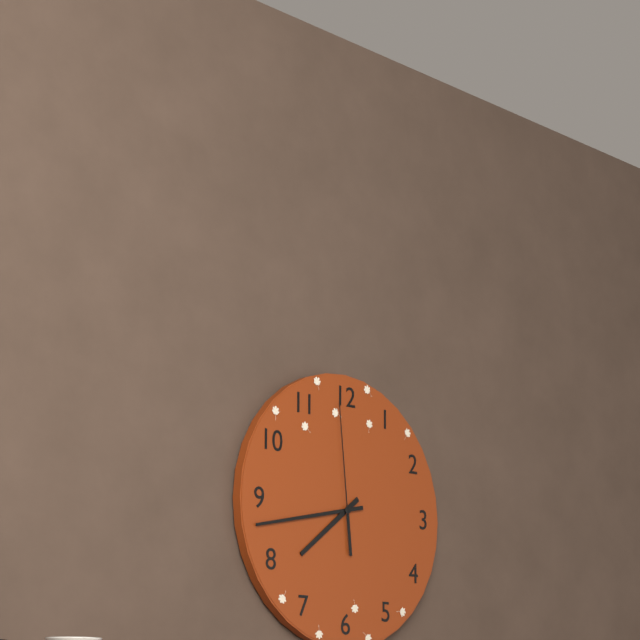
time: **7:43:59**
